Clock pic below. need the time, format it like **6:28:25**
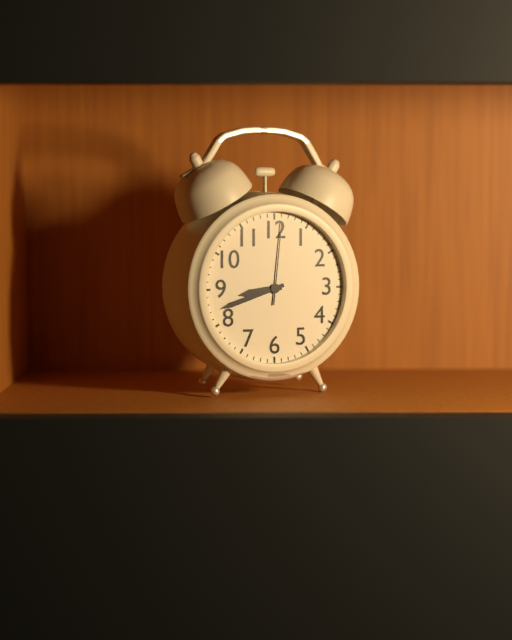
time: **8:42:01**
